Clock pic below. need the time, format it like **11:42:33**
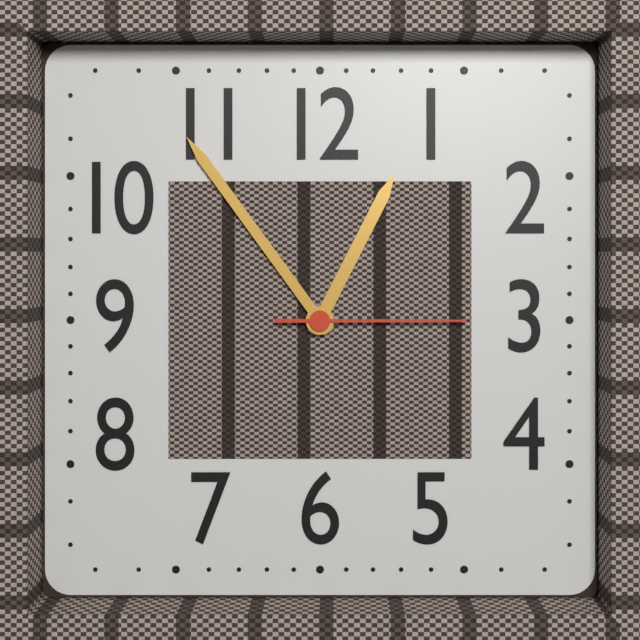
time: **12:54:15**
